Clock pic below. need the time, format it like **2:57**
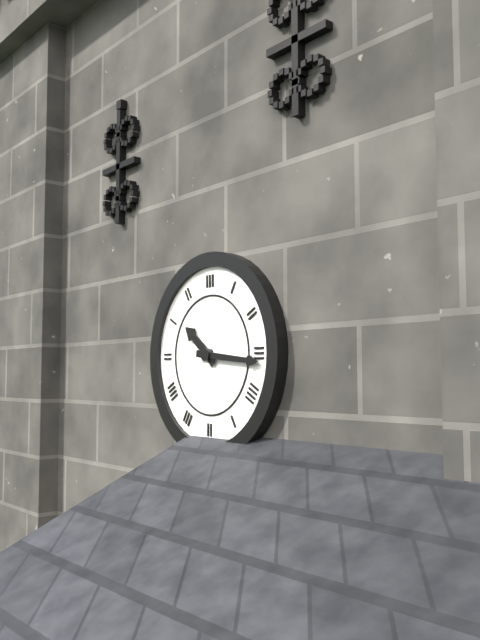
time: **10:16**
